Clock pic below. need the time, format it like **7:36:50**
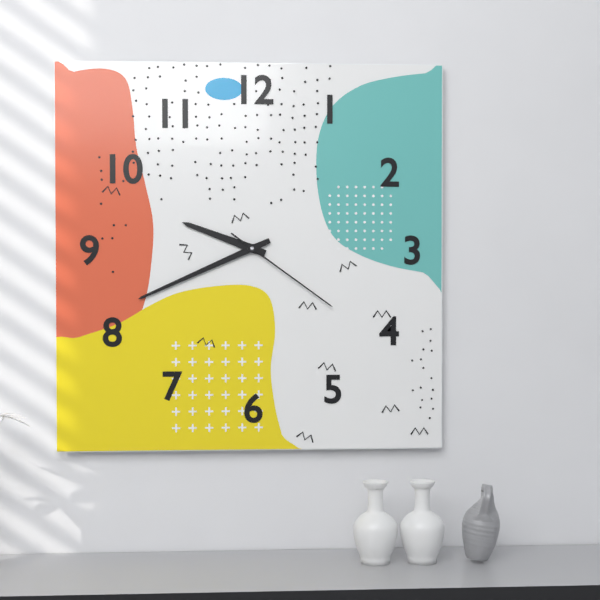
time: **9:41:21**
